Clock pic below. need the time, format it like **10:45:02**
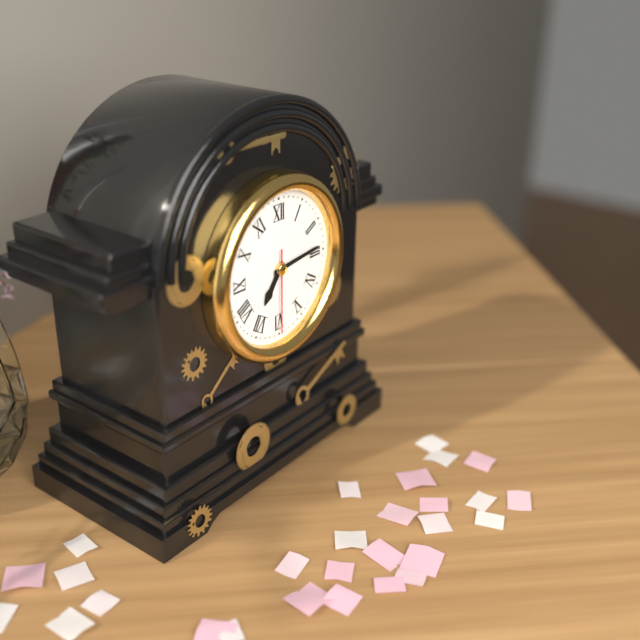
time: **7:14:30**
